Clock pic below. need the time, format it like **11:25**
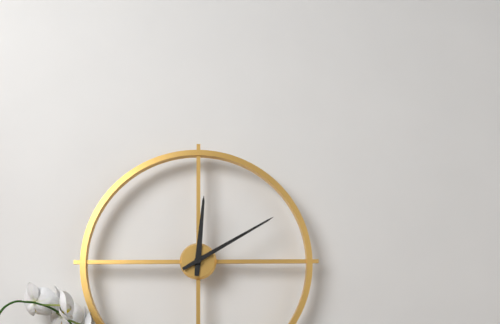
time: **12:10**
